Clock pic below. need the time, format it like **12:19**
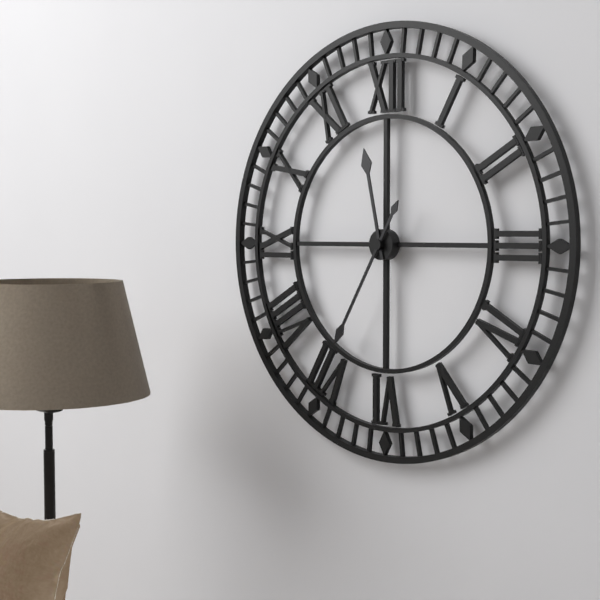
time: **11:35**
